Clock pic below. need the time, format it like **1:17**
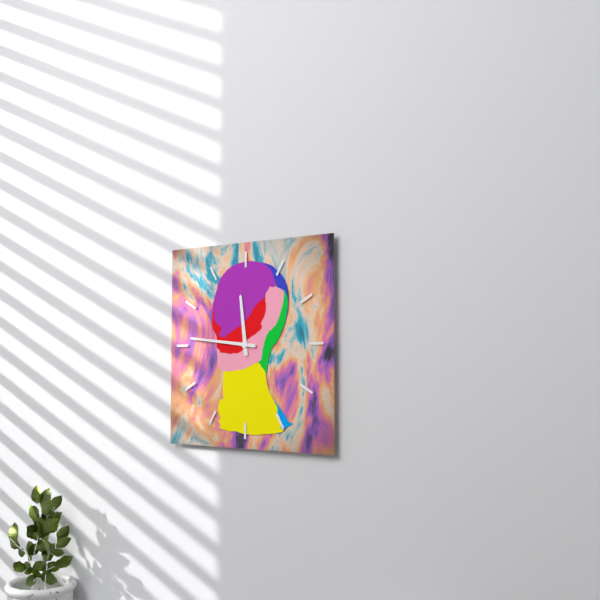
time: **11:46**
